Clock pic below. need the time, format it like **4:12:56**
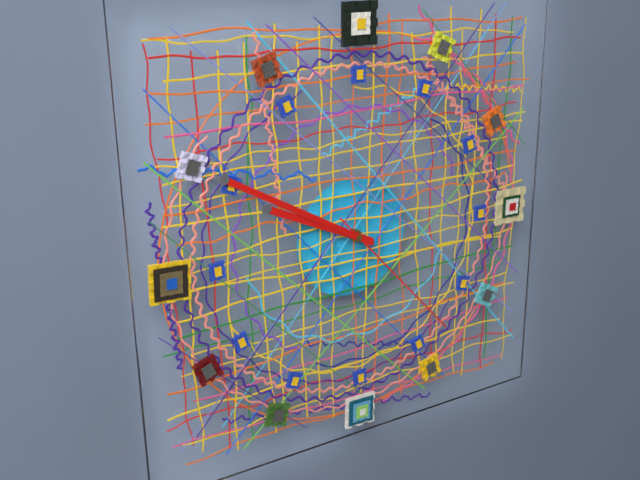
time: **9:50:23**
